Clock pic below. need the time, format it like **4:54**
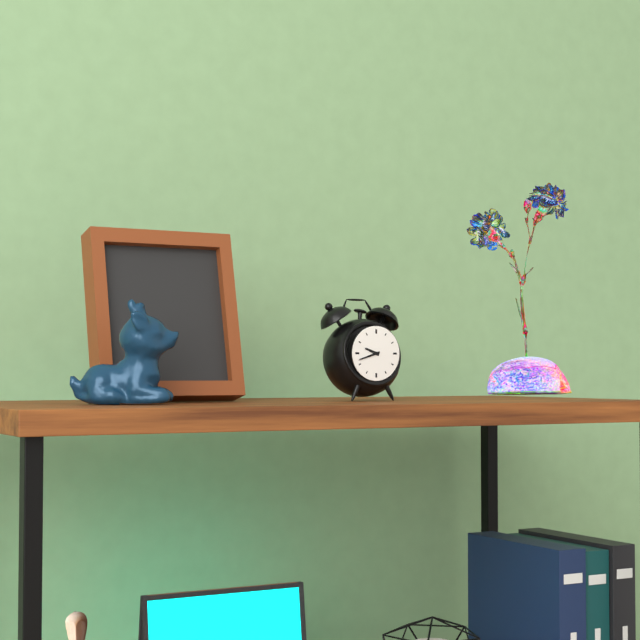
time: **9:42**
